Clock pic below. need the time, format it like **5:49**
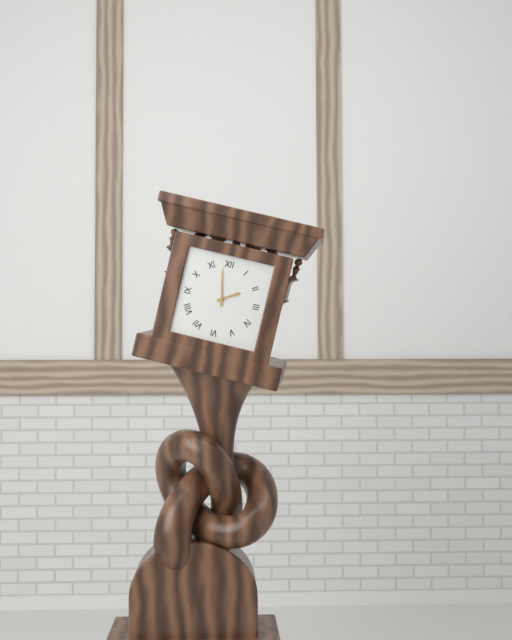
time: **1:58**
